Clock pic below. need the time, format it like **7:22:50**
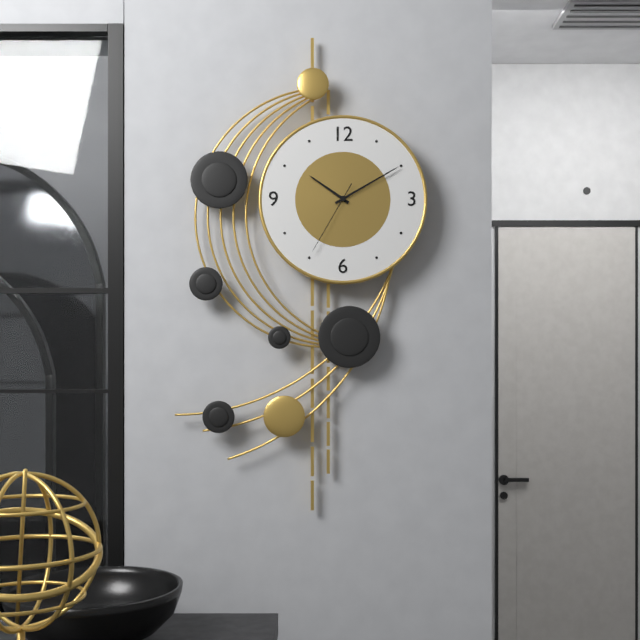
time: **10:10:35**
